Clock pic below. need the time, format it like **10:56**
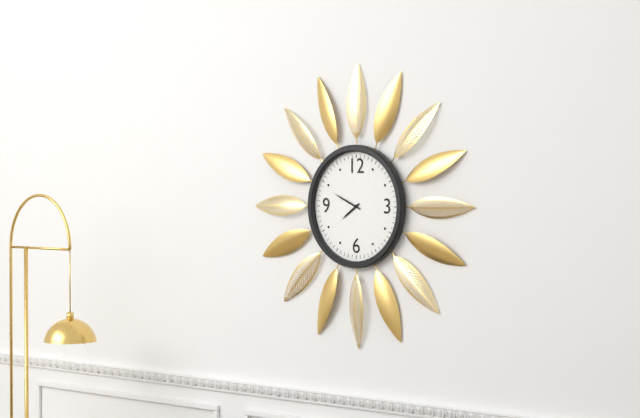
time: **7:49**
